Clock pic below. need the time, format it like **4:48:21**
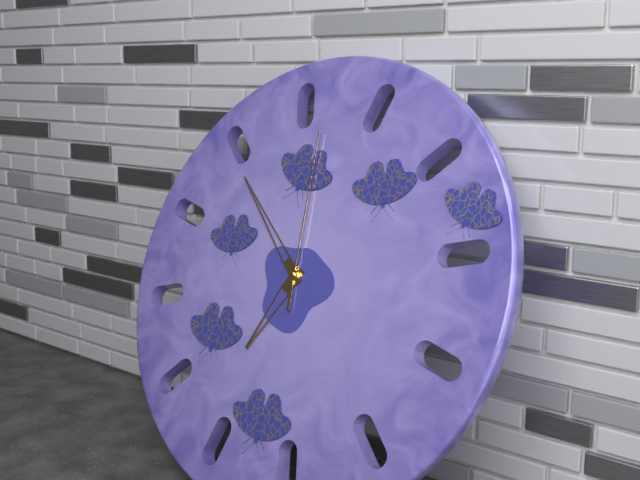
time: **6:52:59**
